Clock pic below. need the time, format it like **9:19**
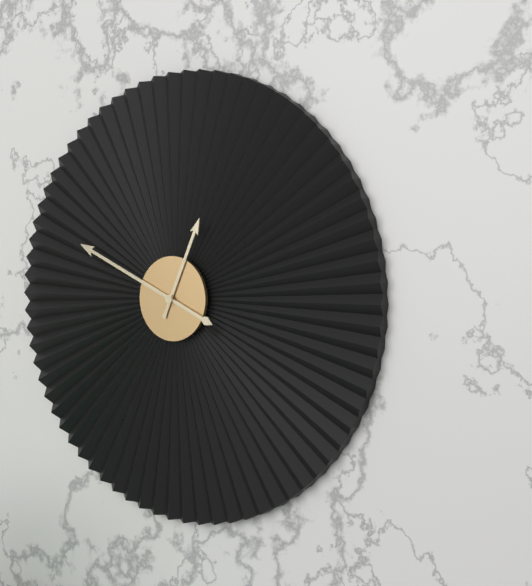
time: **12:49**
